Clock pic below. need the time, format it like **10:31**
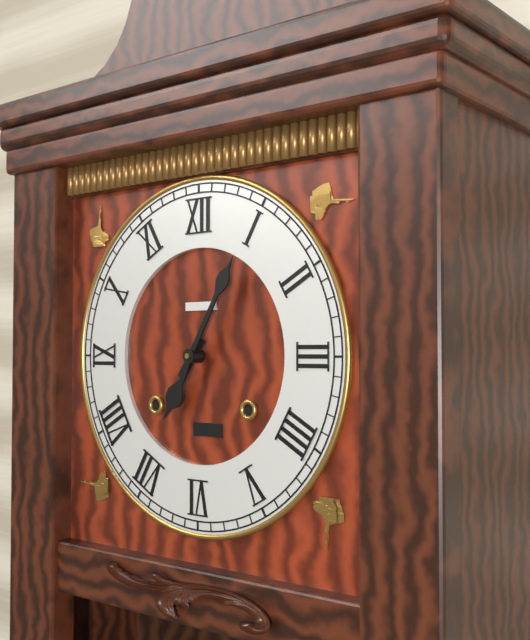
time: **7:05**
